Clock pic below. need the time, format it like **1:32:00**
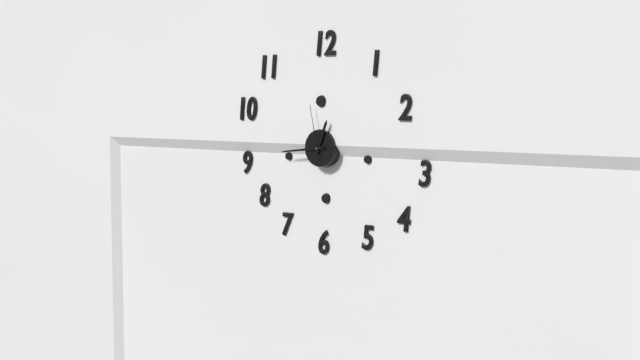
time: **12:44:58**
